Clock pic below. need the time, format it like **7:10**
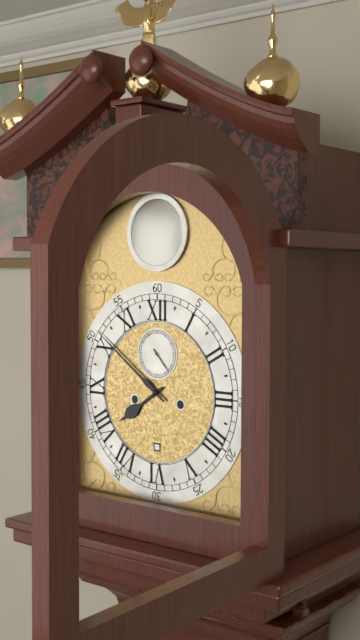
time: **7:51**
